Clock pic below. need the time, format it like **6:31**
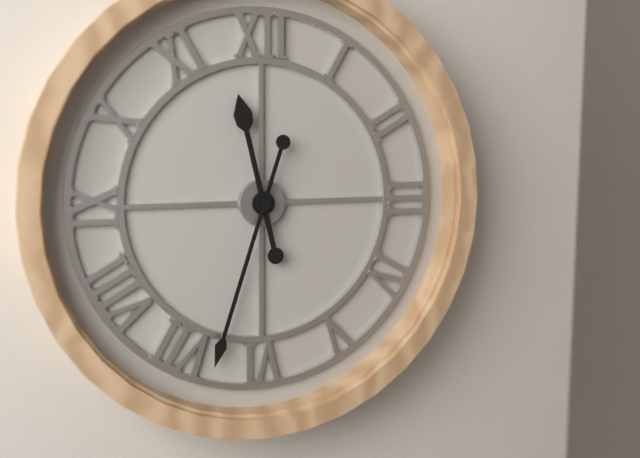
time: **11:33**
